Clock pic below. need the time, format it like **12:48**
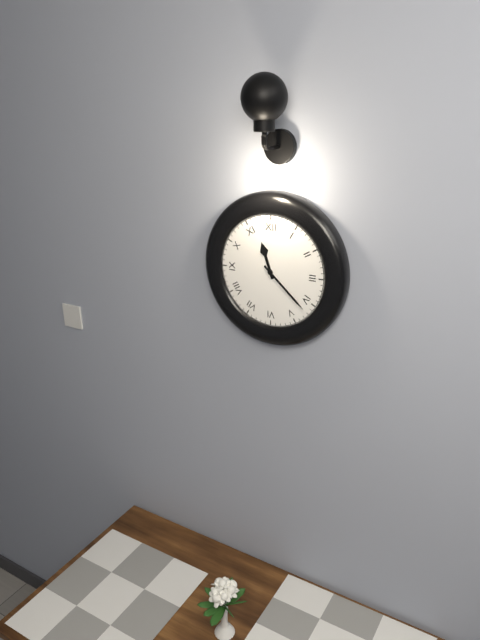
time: **11:22**
